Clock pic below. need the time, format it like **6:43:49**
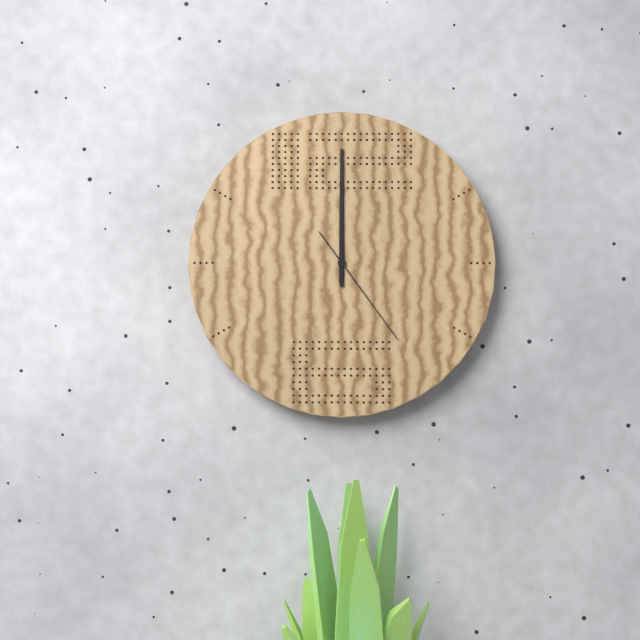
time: **12:00:24**
